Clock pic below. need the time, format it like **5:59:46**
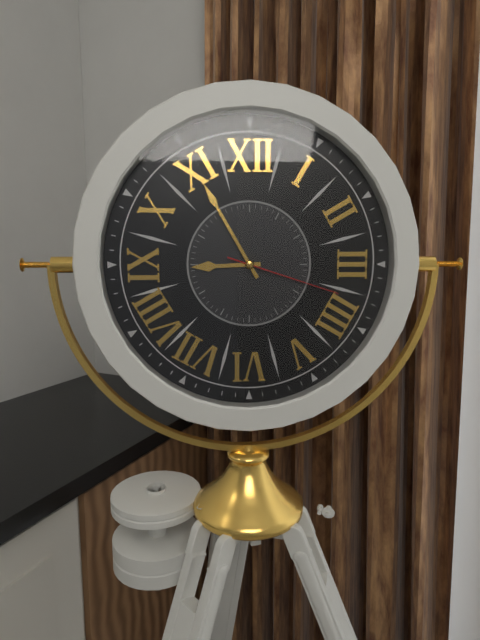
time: **8:55:18**
